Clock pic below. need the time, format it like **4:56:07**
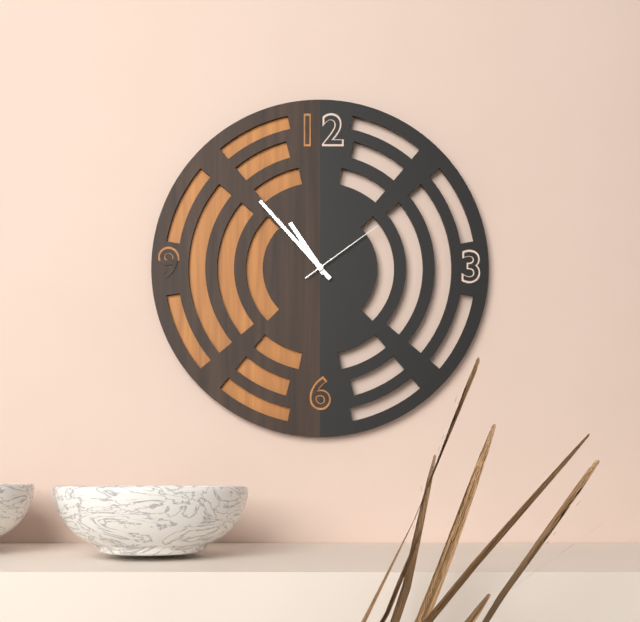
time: **10:53:09**
